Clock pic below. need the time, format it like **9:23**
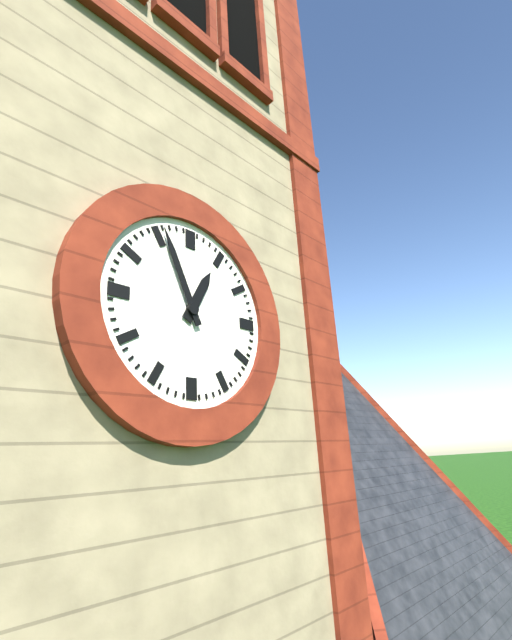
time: **12:56**
